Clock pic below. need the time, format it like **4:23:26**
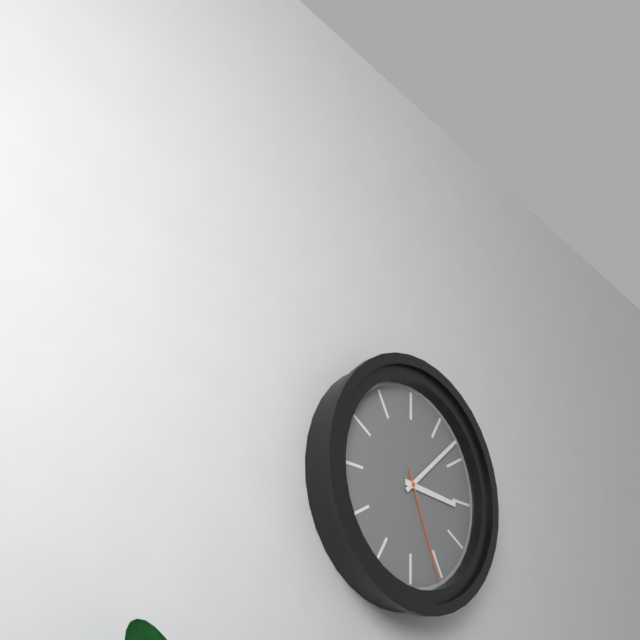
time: **3:08:26**
